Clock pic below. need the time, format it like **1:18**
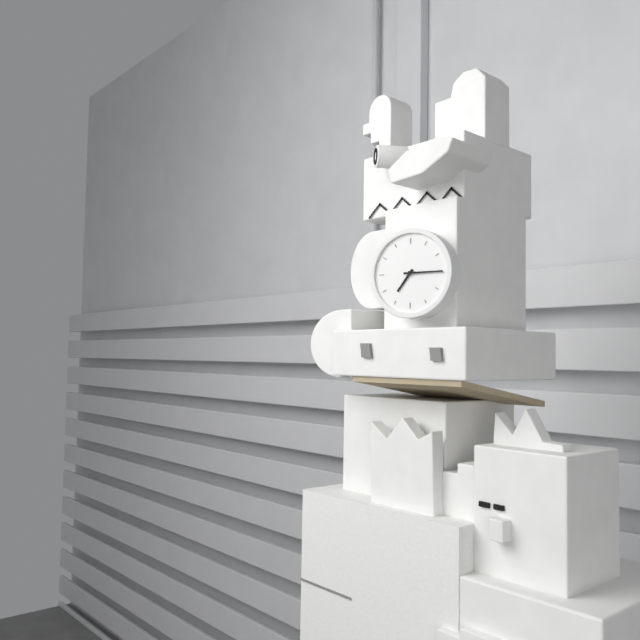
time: **7:15**
